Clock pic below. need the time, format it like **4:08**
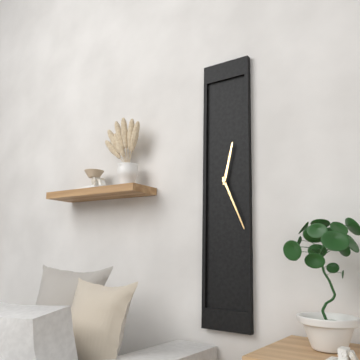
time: **12:26**
